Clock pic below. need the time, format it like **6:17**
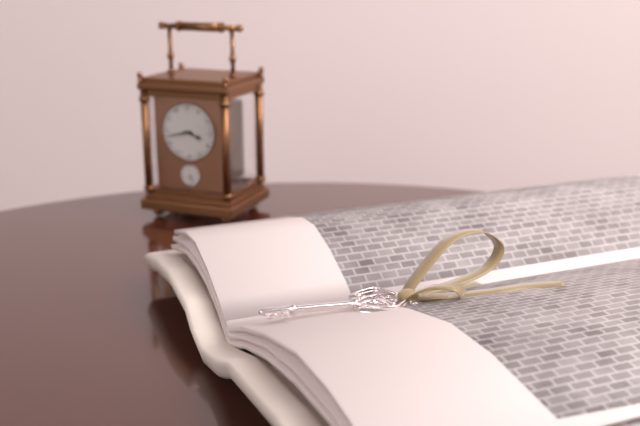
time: **3:43**
